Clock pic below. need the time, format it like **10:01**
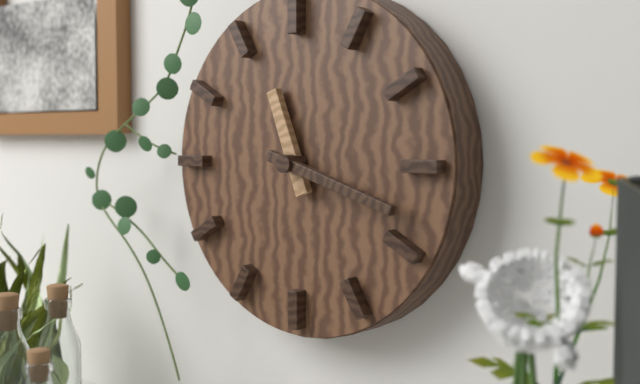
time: **11:18**
